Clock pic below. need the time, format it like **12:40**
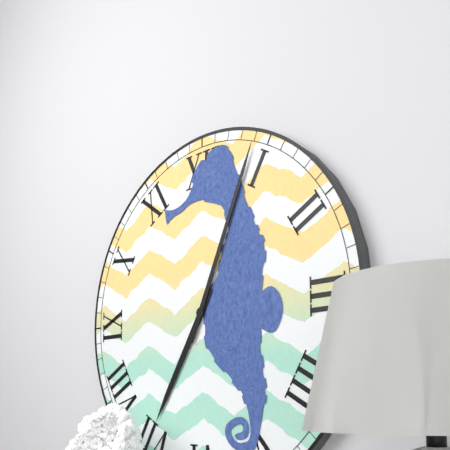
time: **7:04**
